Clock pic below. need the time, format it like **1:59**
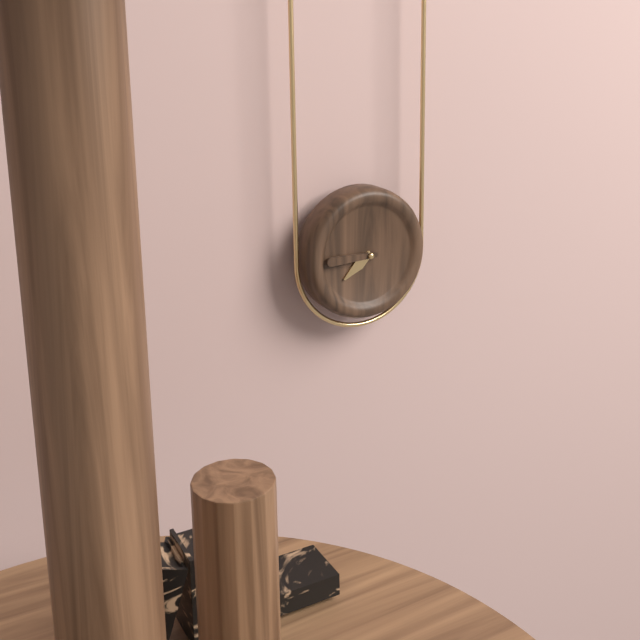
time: **7:45**
